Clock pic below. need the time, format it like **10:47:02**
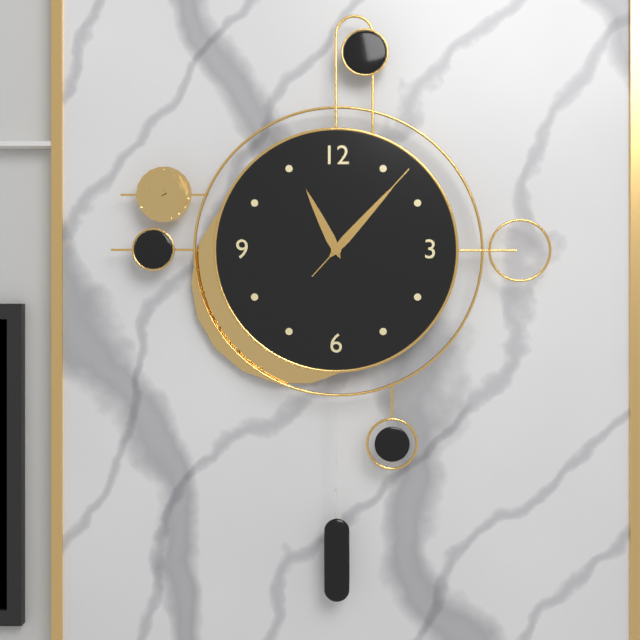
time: **11:07:07**
